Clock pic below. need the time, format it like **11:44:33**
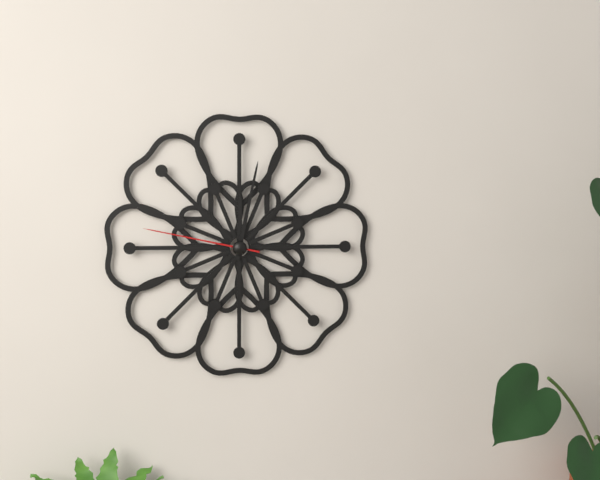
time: **12:02:47**
